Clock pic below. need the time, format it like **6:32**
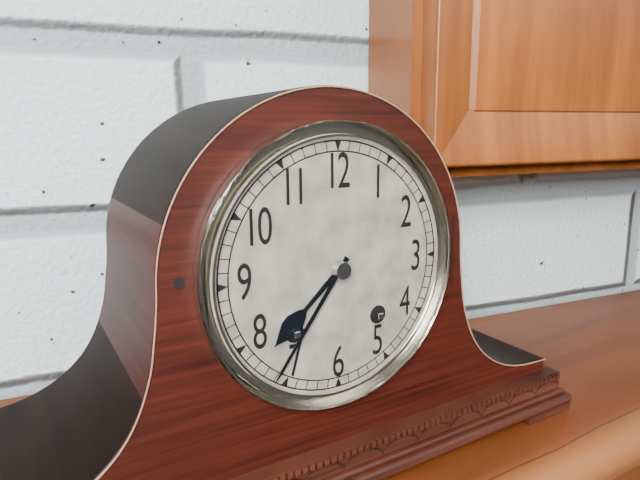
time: **7:36**
